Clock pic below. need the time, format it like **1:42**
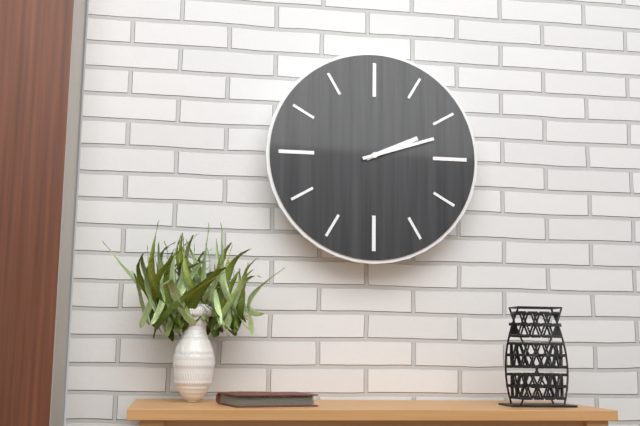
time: **2:12**
